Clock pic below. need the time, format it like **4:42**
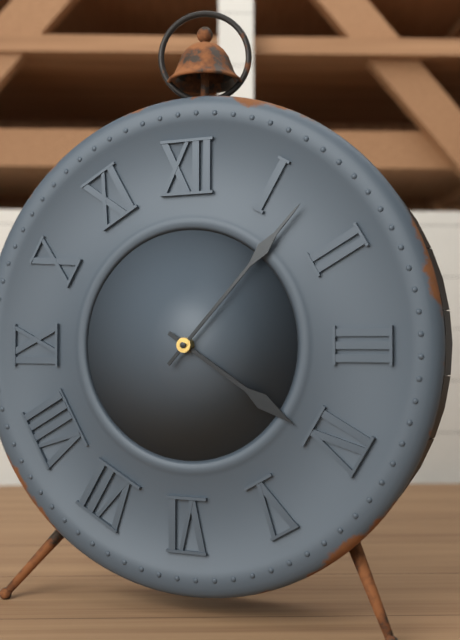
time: **4:07**
